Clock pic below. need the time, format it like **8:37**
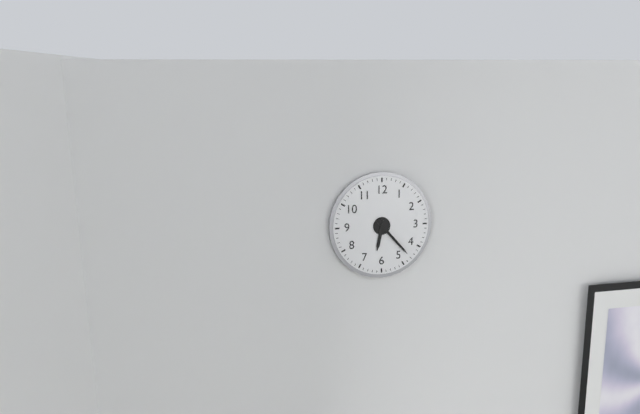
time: **6:23**
